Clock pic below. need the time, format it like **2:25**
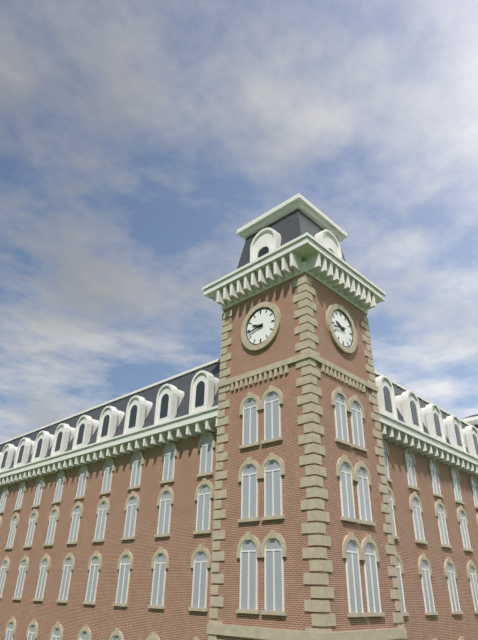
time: **9:43**
